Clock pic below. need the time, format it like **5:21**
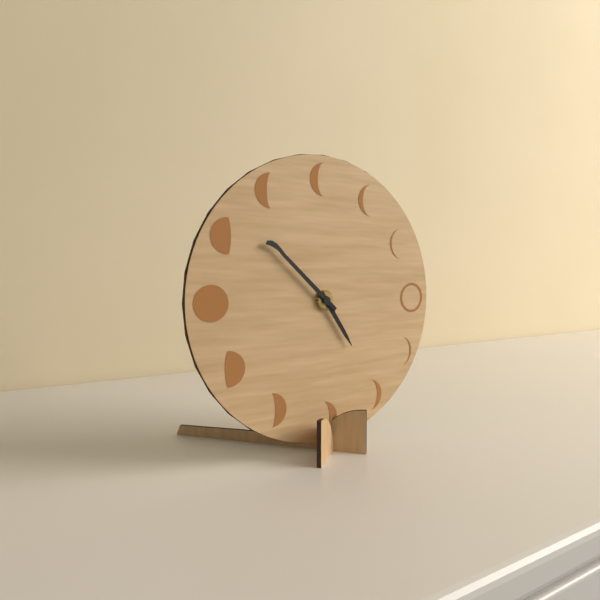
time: **4:52**
